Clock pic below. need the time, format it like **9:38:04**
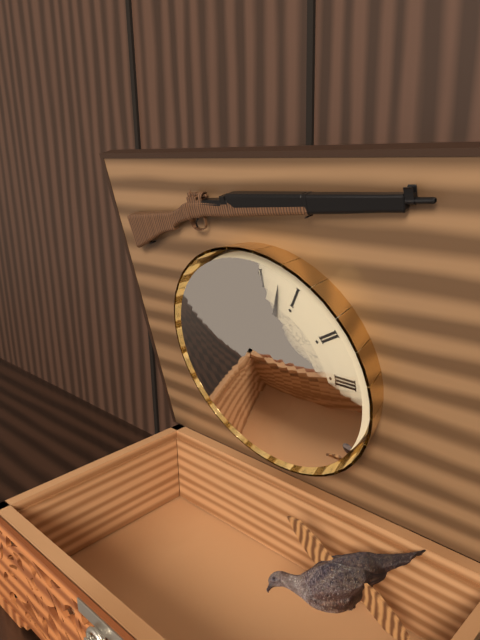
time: **11:03:53**
